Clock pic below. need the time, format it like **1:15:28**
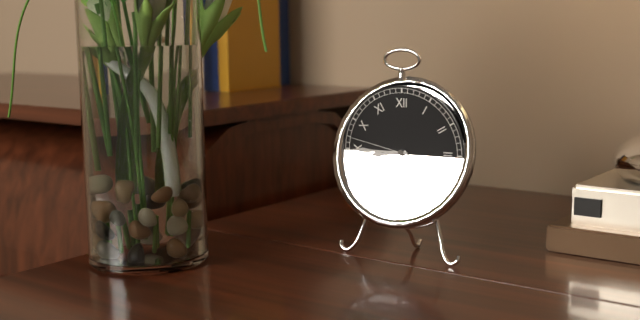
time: **8:45:47**
